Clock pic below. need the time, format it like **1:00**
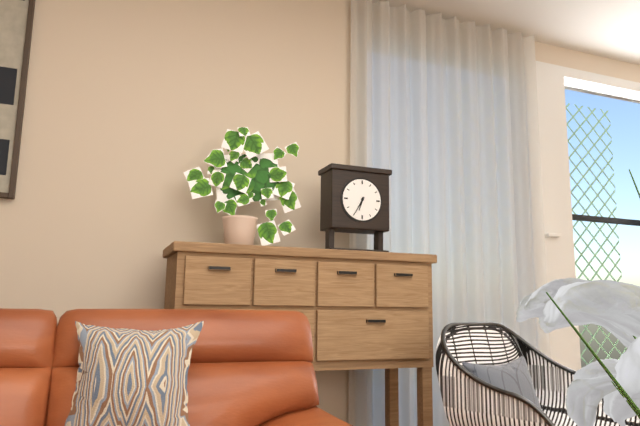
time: **6:35**
